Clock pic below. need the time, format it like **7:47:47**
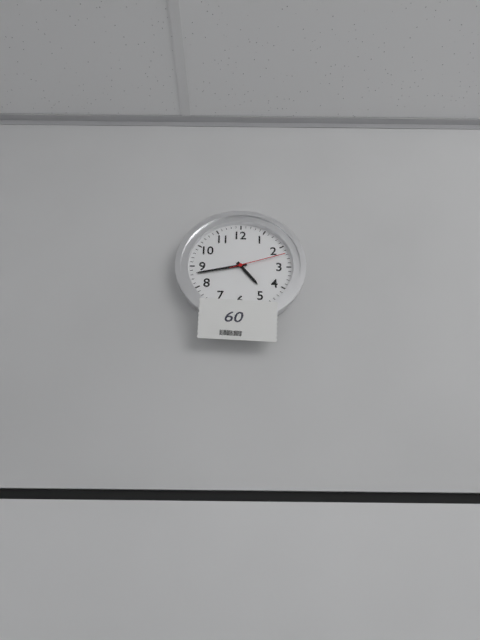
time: **4:43:12**
